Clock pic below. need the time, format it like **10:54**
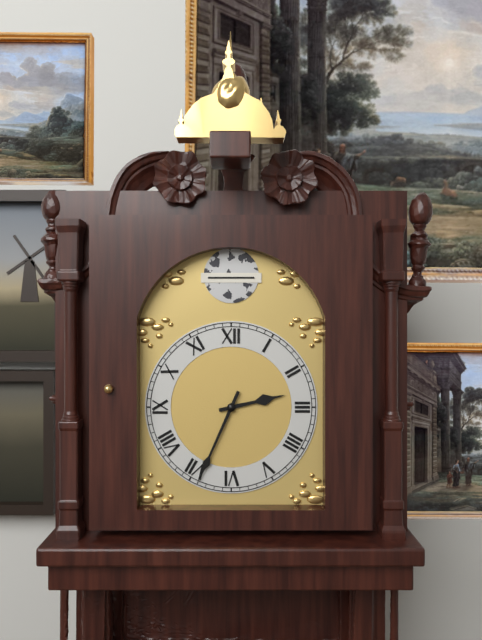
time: **2:34**
